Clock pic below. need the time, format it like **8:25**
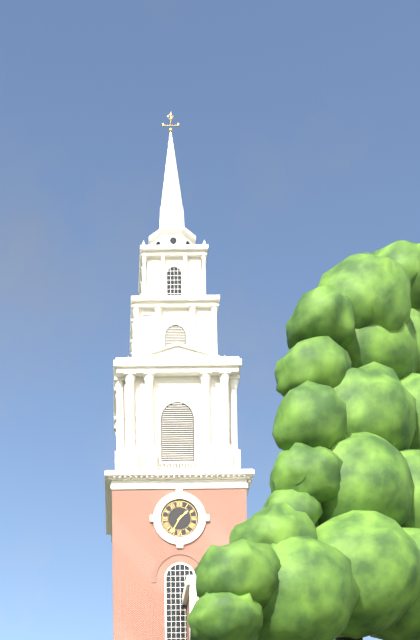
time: **1:35**
